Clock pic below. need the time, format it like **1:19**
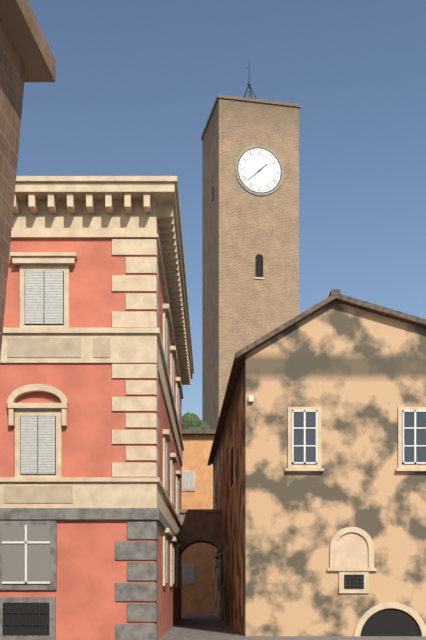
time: **1:38**
